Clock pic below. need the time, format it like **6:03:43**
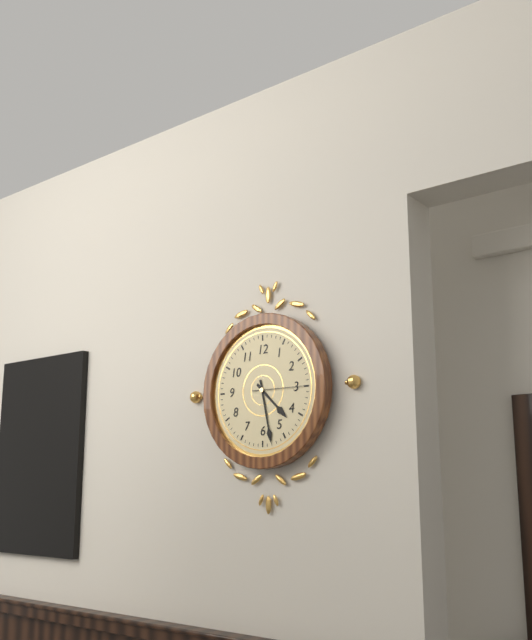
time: **4:28:15**
